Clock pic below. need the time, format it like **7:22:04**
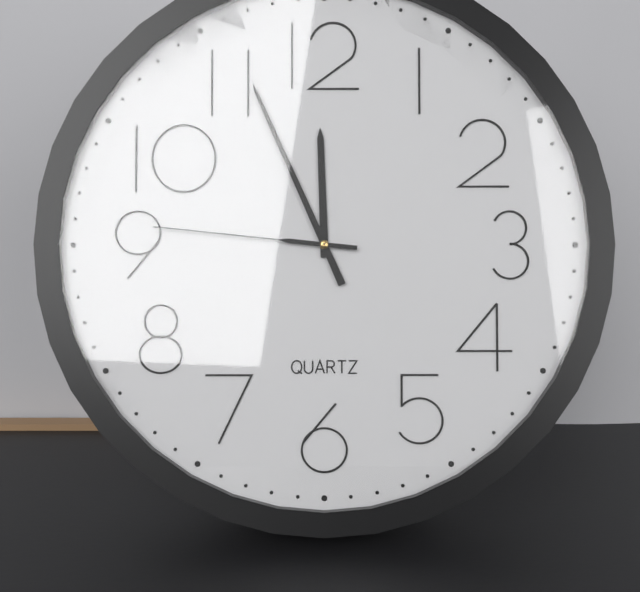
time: **11:56:46**
